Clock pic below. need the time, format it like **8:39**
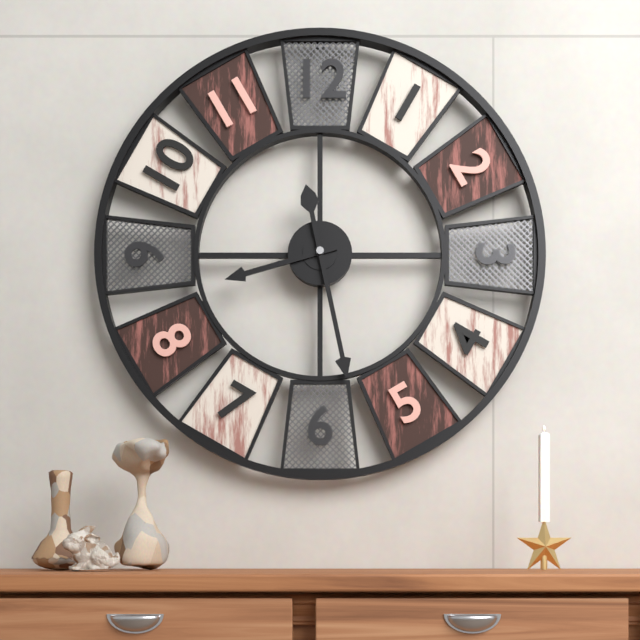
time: **8:28**
